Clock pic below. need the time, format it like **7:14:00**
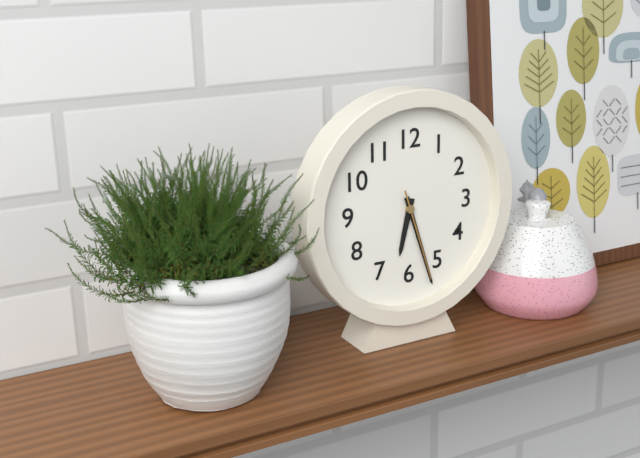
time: **6:27:27**
